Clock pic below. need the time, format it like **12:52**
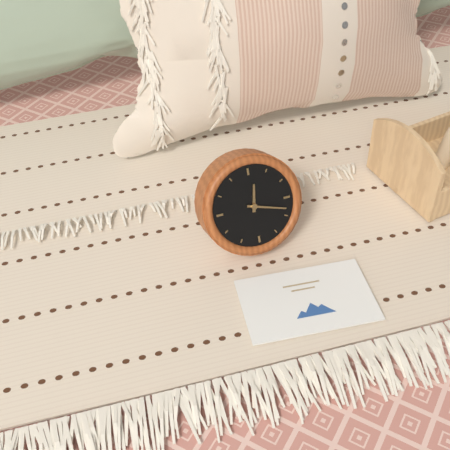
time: **12:18**
